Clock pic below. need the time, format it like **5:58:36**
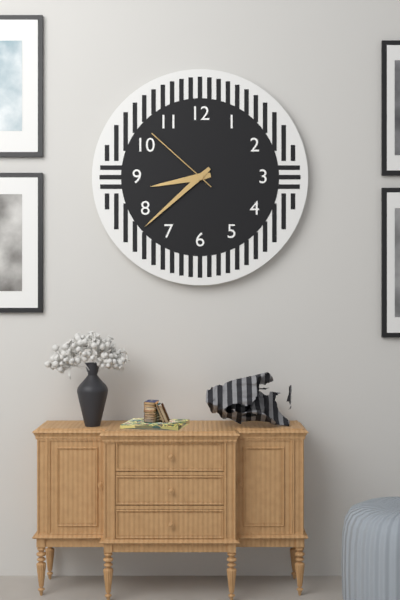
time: **8:38:52**
